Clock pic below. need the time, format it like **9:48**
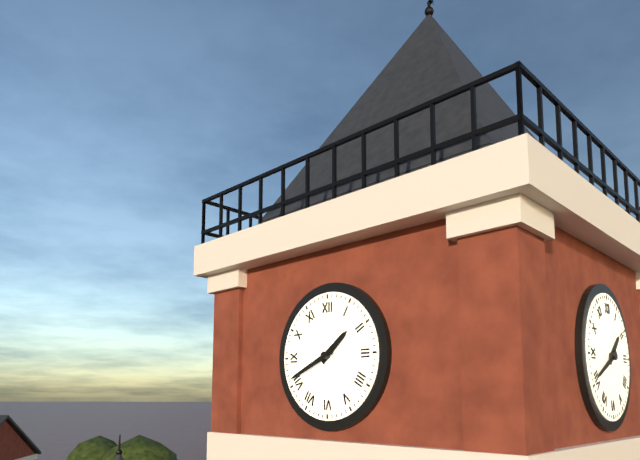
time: **1:41**
